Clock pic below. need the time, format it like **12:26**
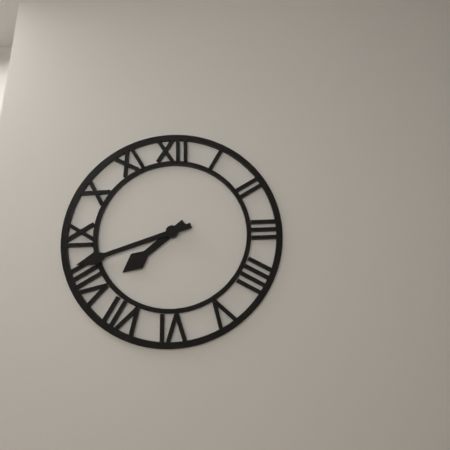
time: **7:42**
